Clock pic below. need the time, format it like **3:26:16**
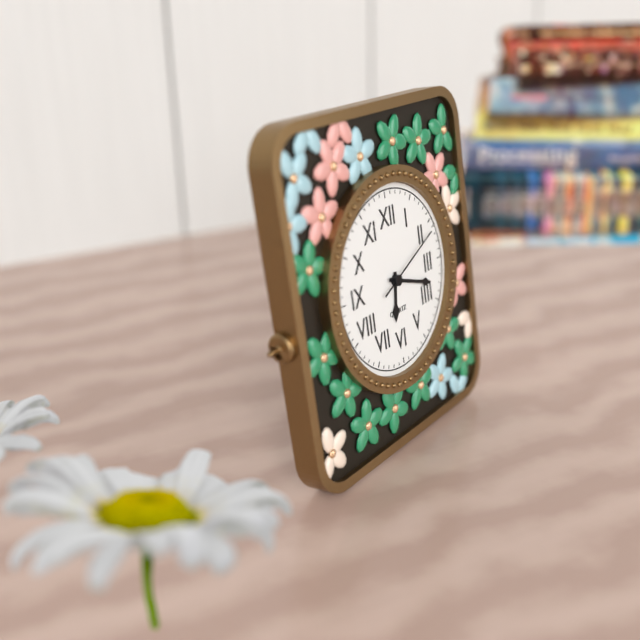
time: **6:18:11**
